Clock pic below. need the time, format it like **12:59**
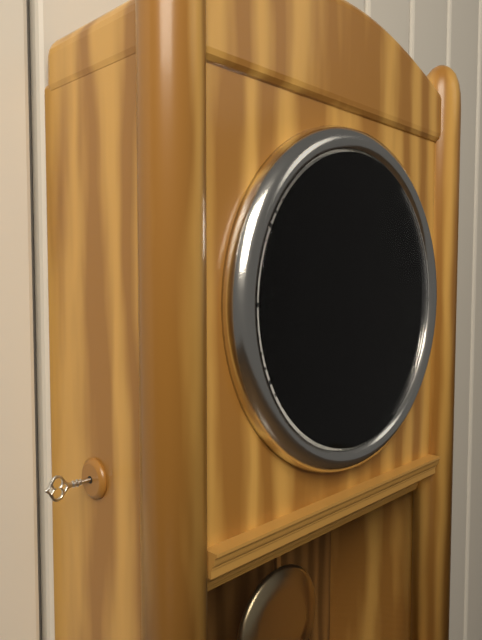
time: **6:33**
